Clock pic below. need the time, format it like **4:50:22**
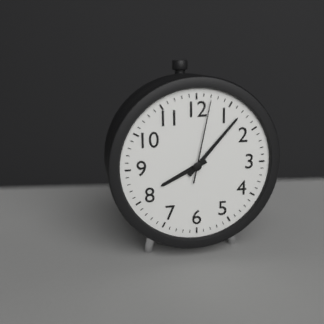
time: **8:07:02**
